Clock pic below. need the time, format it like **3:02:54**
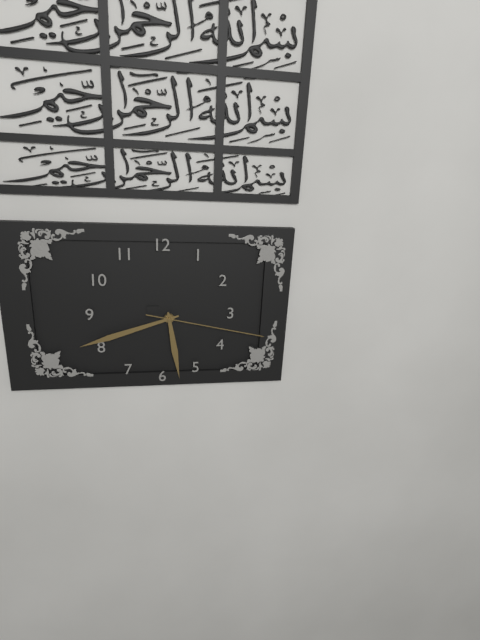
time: **5:42:17**
